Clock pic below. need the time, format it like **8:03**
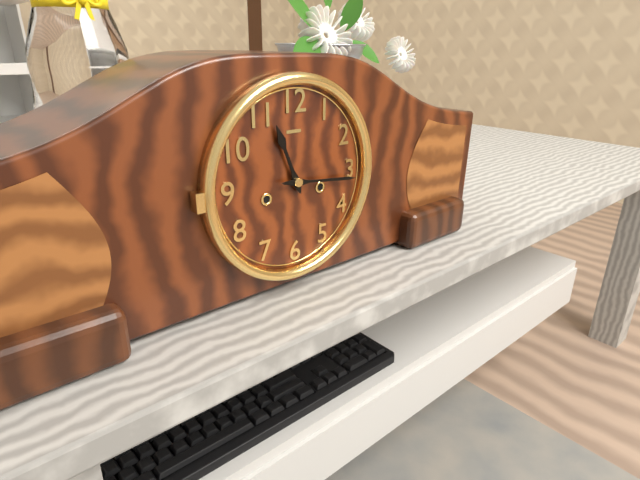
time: **11:16**
